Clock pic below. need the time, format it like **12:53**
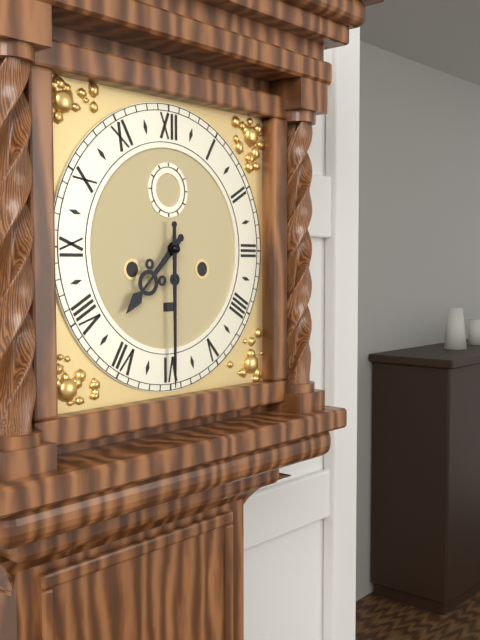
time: **7:30**
